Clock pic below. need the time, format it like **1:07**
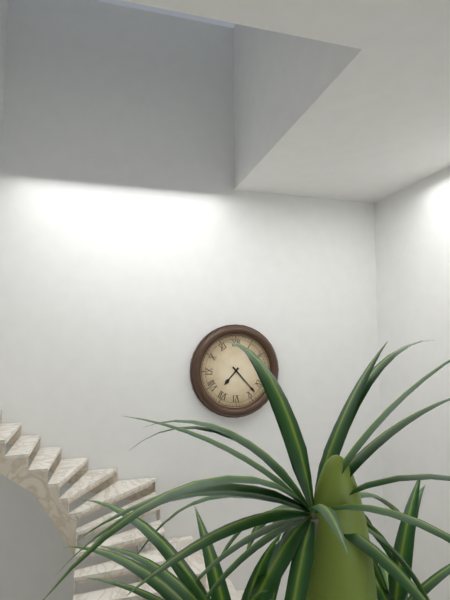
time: **7:23**
